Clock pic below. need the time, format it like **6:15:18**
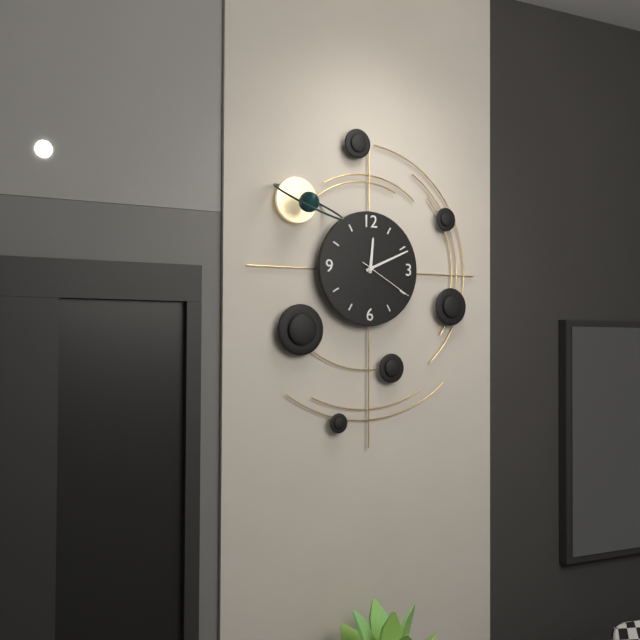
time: **12:11:20**
